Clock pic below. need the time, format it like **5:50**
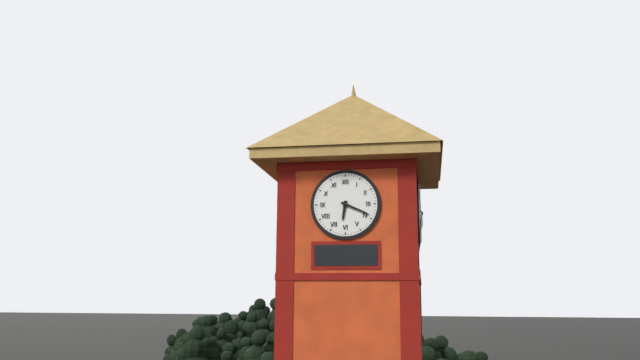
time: **6:19**
